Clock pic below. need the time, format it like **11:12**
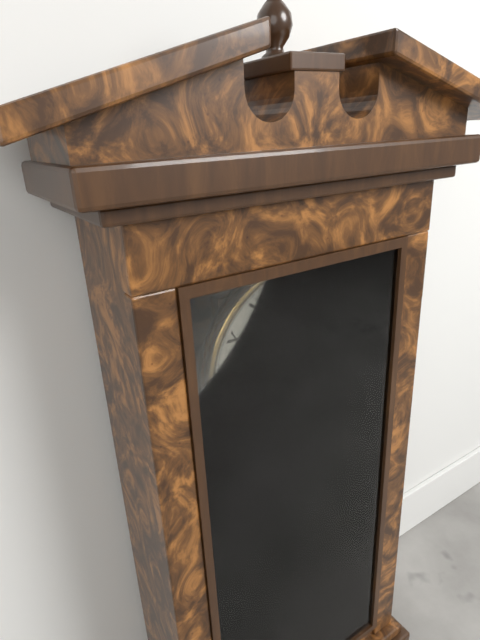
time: **11:49**
